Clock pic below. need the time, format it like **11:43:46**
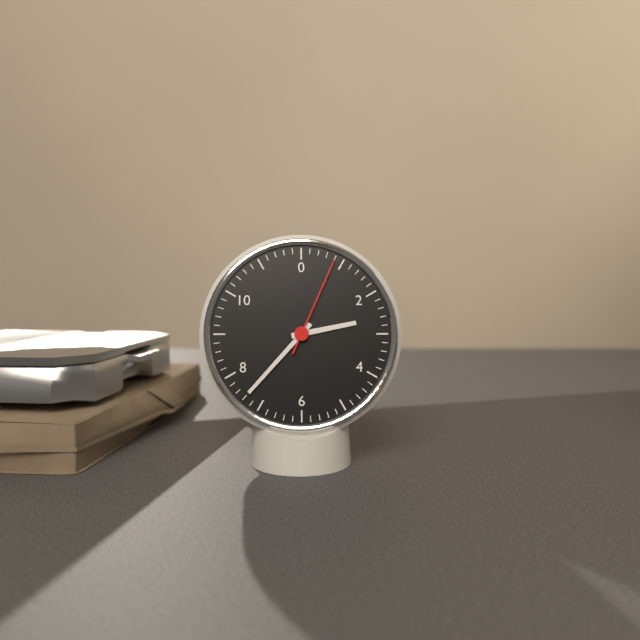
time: **2:37:04**
